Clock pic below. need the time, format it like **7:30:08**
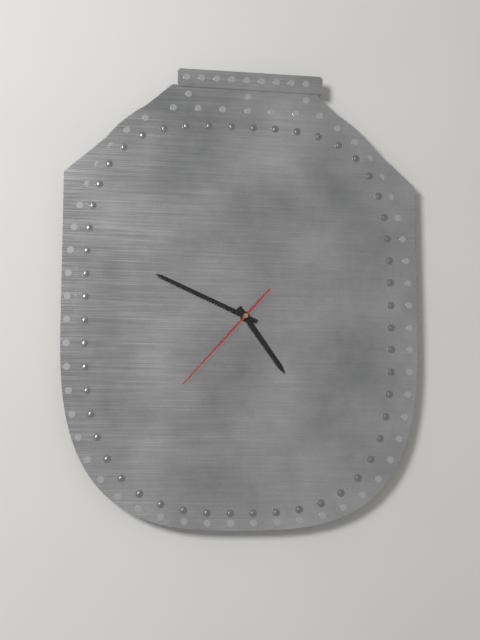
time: **4:49:37**
